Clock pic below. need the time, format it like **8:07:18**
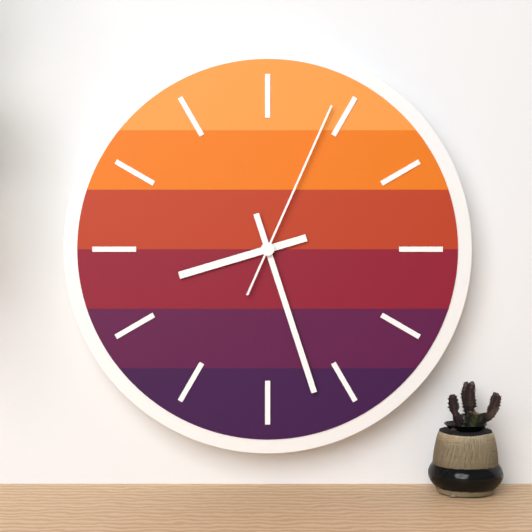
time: **8:27:04**
